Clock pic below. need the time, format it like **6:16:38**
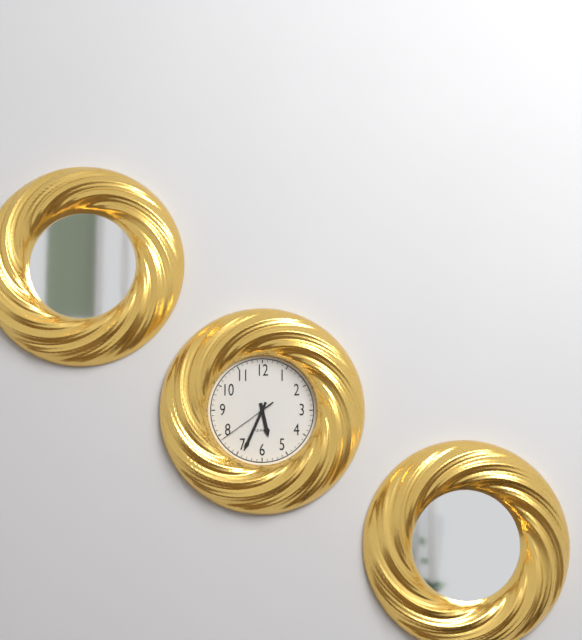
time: **5:34:39**
